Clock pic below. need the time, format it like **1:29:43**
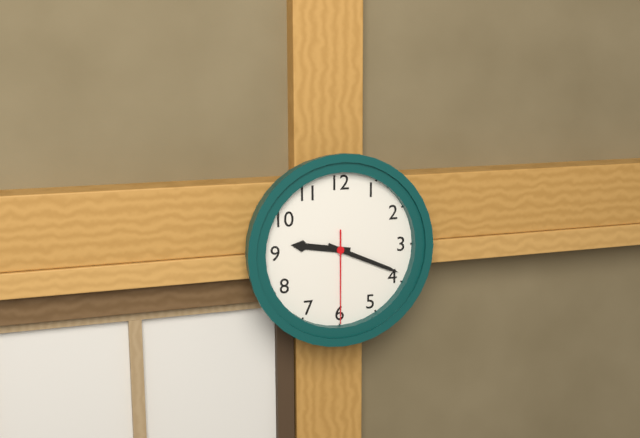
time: **9:19:30**
